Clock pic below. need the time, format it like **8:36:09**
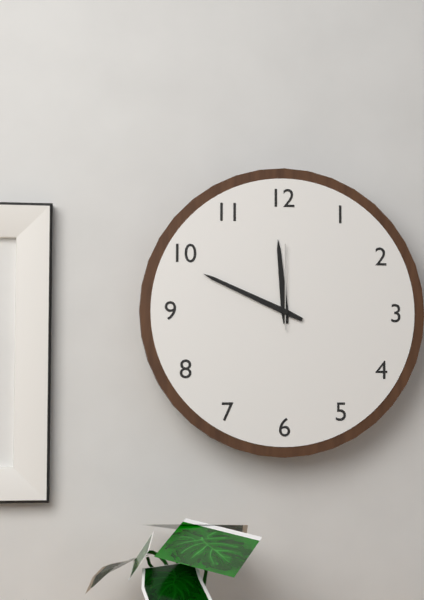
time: **11:49:00**
